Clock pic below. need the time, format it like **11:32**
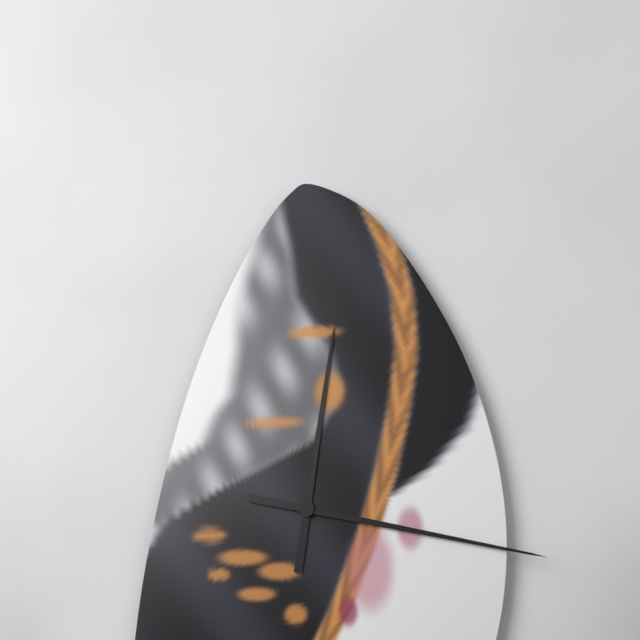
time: **12:17**
